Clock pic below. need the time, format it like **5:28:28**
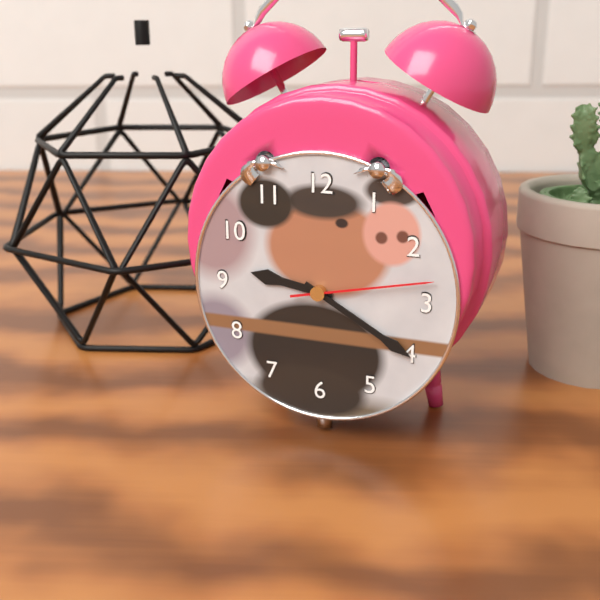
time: **9:20:13**
